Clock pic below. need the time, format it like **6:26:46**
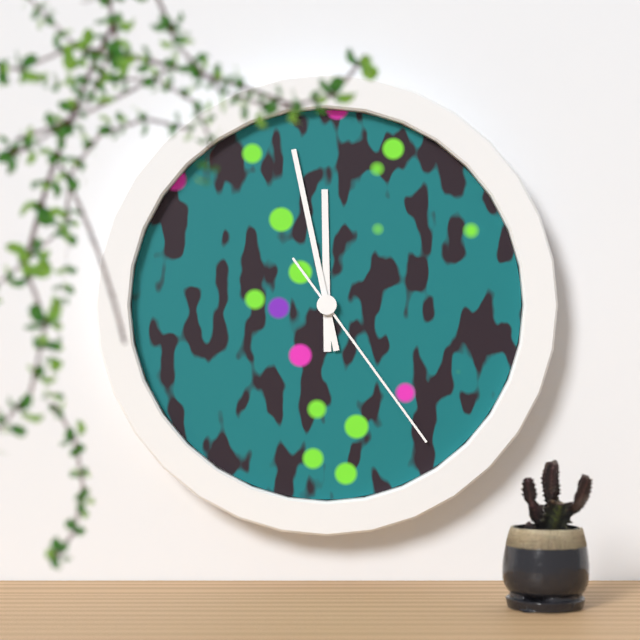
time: **11:58:24**
